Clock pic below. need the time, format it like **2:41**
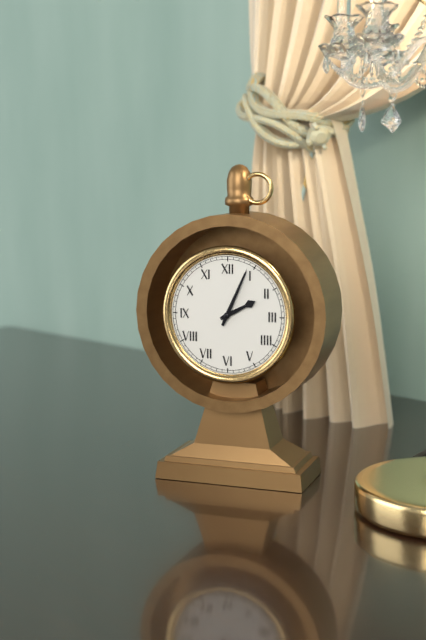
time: **2:04**
